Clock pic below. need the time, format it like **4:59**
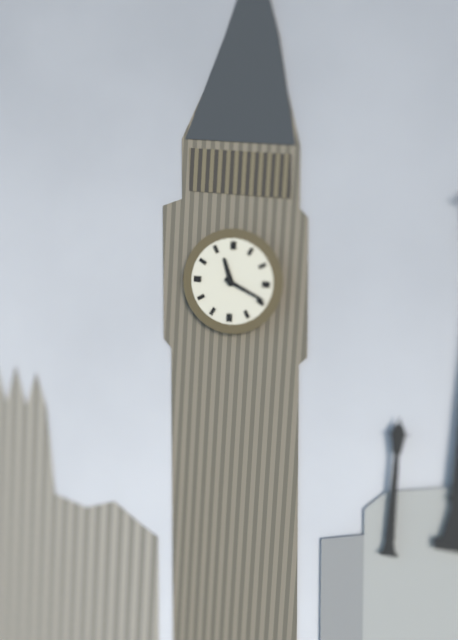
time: **11:19**
